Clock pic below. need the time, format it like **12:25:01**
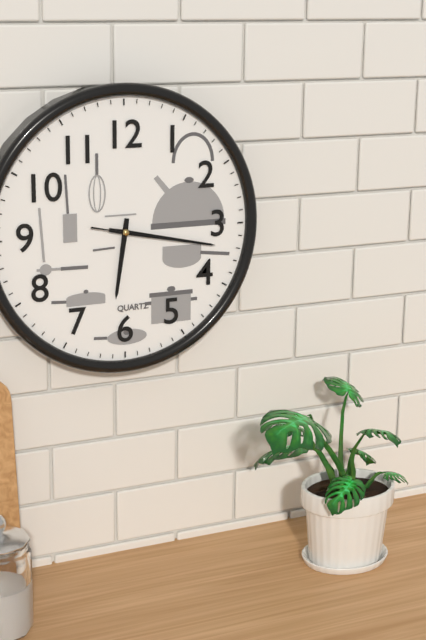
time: **6:17:17**
